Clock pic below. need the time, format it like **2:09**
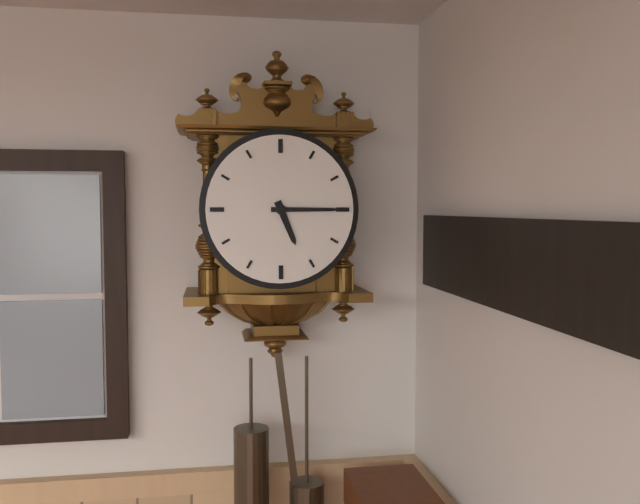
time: **5:15**
